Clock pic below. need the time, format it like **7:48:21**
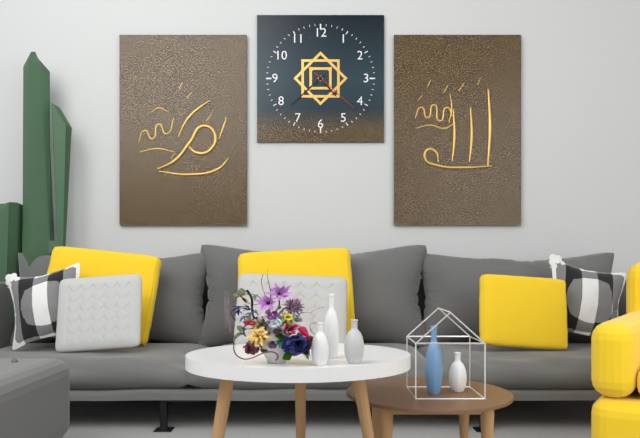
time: **4:38:22**
